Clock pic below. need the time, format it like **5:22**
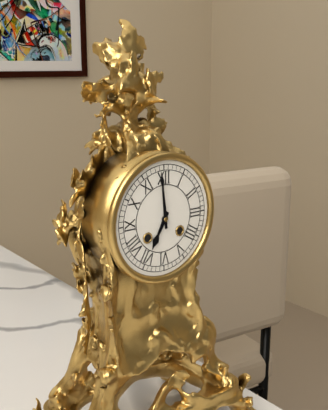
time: **6:59**
